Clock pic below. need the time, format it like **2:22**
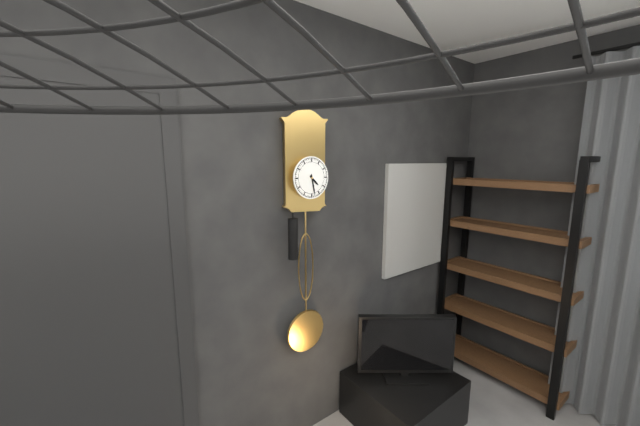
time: **4:28**
